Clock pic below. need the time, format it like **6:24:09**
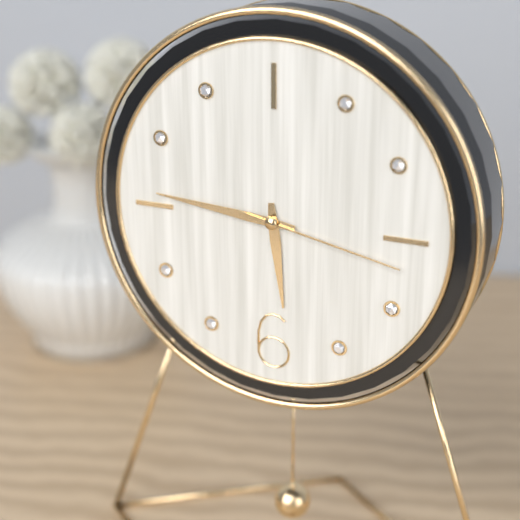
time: **5:46:17**
